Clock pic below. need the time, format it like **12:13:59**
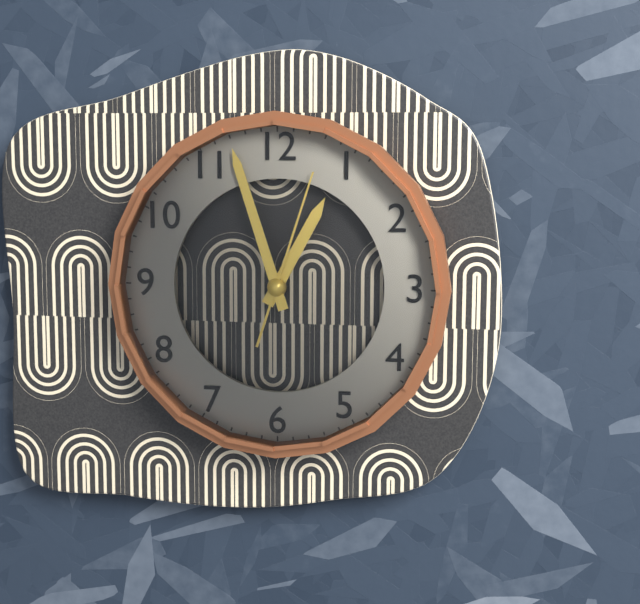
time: **12:57:03**
